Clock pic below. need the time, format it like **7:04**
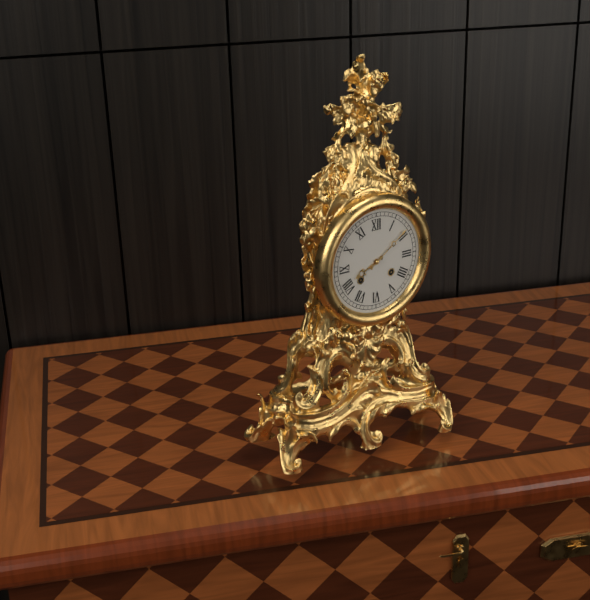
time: **8:09**
